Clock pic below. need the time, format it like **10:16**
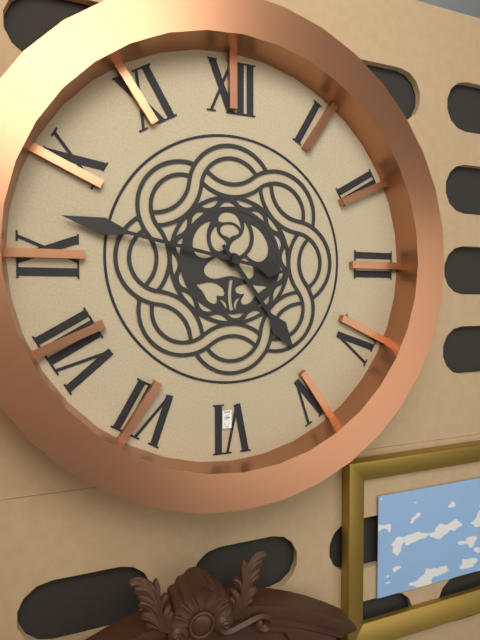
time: **4:47**
